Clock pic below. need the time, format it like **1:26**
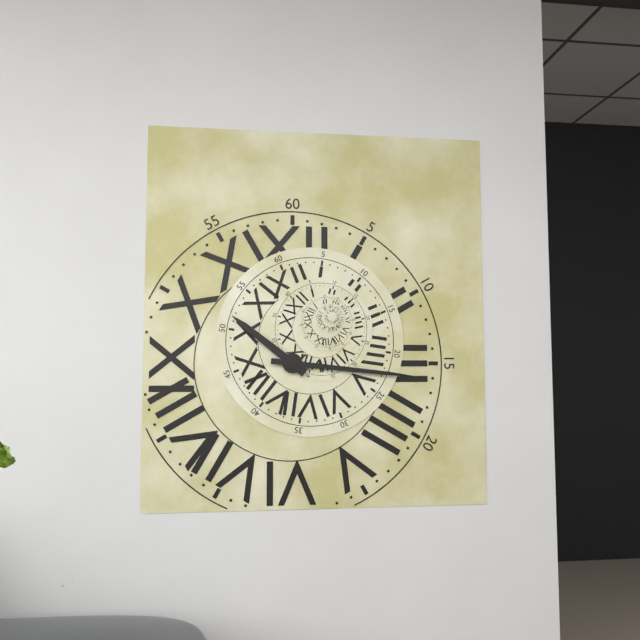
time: **10:16**
